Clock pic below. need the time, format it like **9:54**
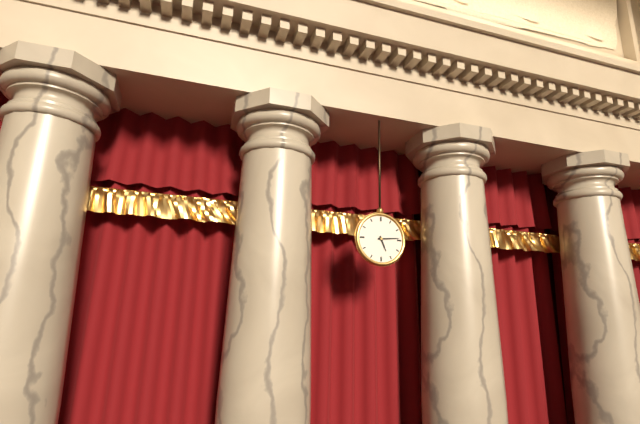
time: **5:14**
